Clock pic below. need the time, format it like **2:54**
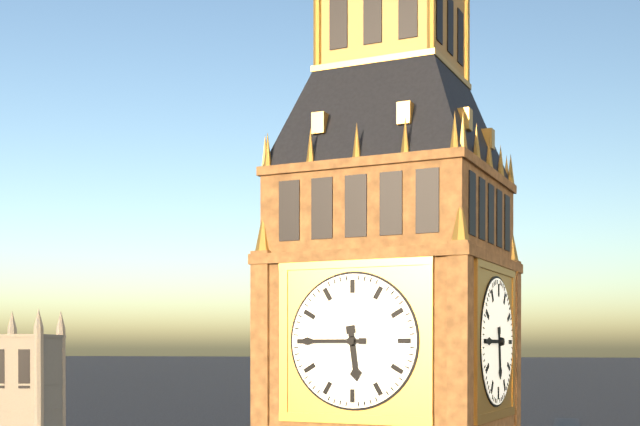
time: **5:45**
